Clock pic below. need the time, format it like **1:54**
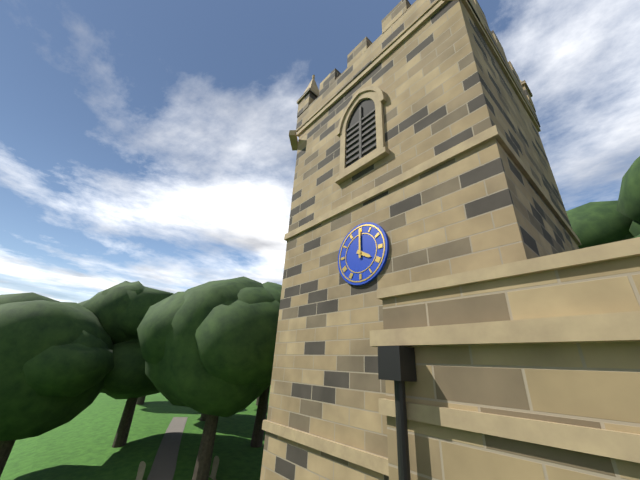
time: **4:00**
